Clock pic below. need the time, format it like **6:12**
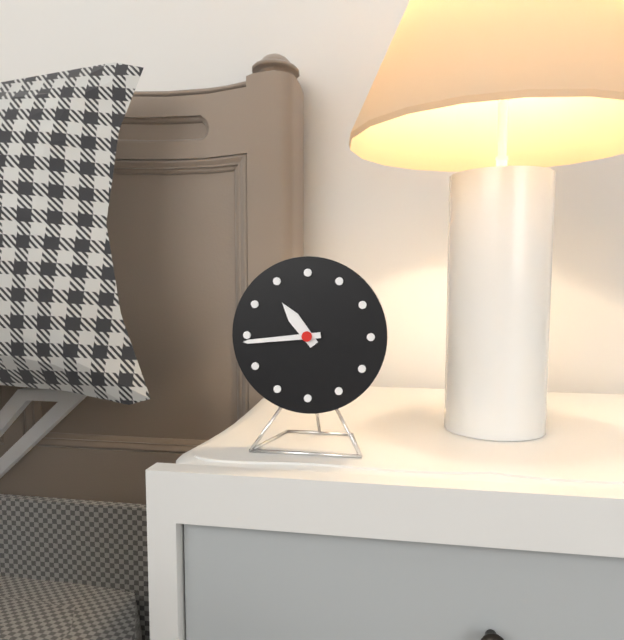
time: **10:44**
